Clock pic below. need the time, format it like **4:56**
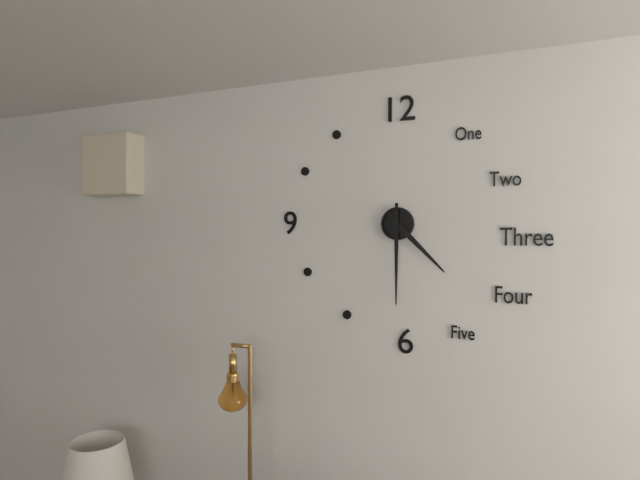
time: **4:30**
